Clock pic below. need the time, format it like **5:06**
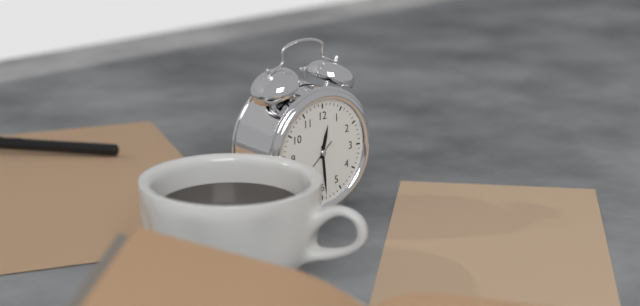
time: **12:29**
